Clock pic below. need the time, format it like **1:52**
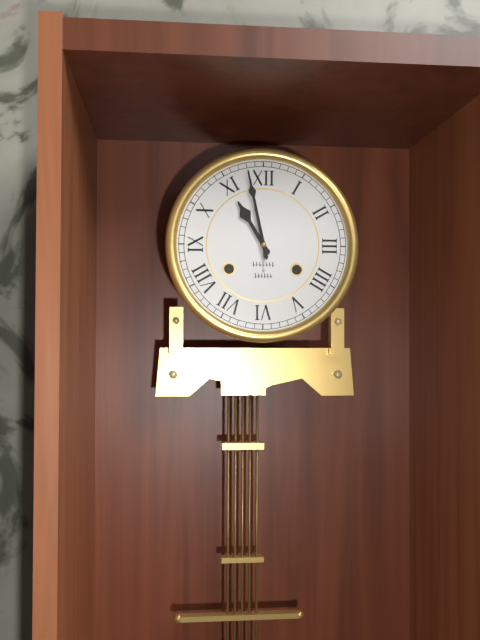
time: **10:58**
